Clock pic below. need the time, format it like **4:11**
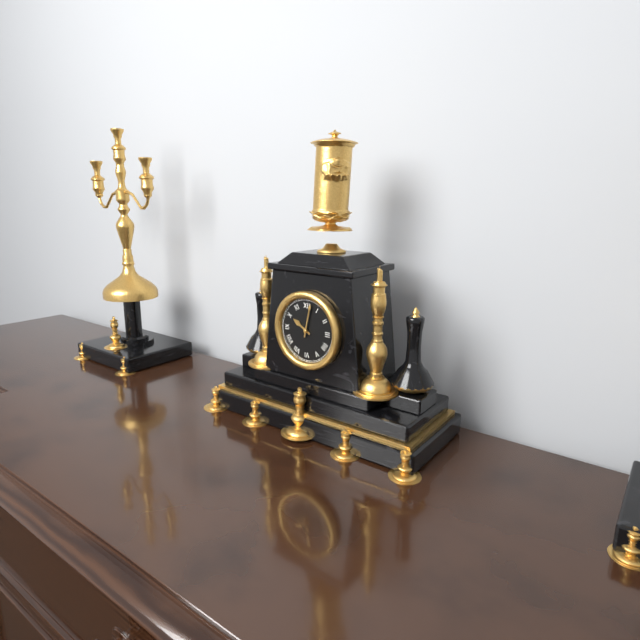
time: **10:02**
